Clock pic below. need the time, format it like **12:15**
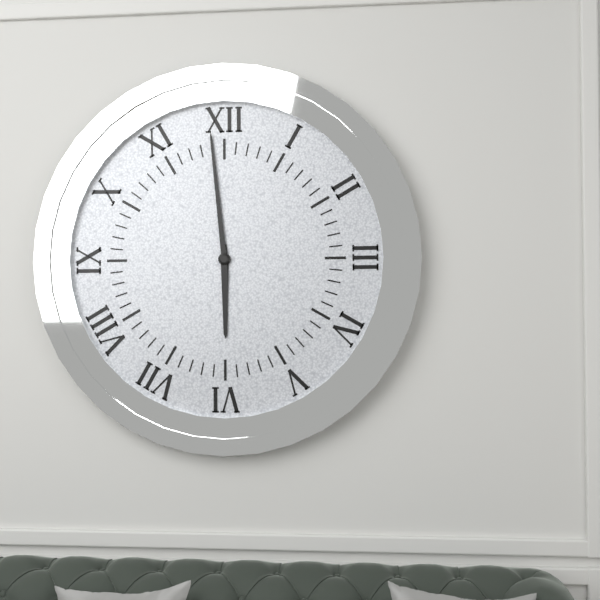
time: **5:59**
